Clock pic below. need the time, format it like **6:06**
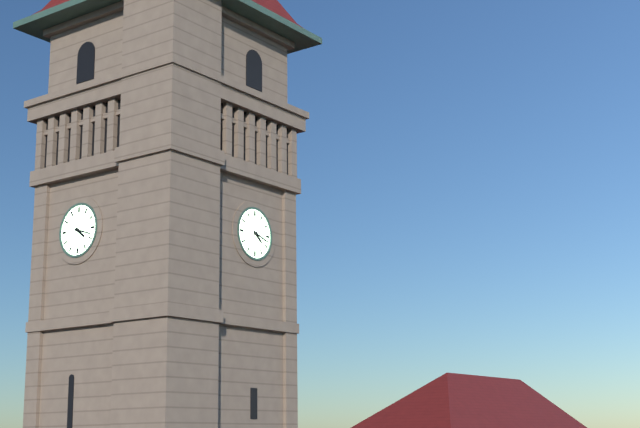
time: **4:18**
